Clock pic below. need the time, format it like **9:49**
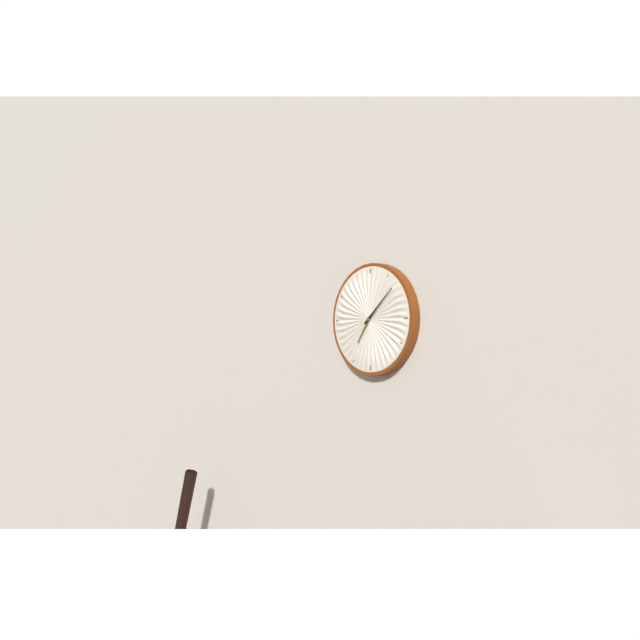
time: **7:08**
